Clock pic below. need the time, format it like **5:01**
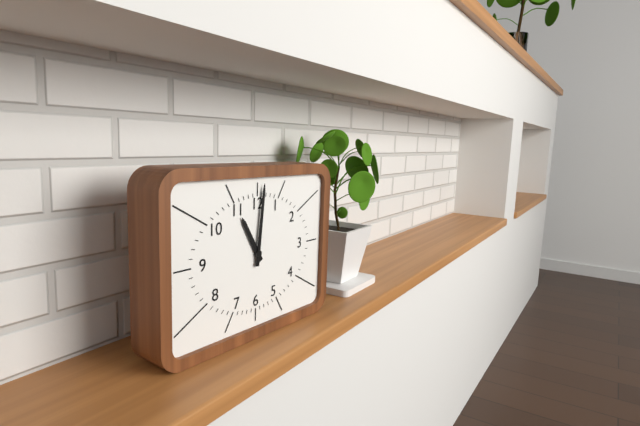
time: **11:01**
